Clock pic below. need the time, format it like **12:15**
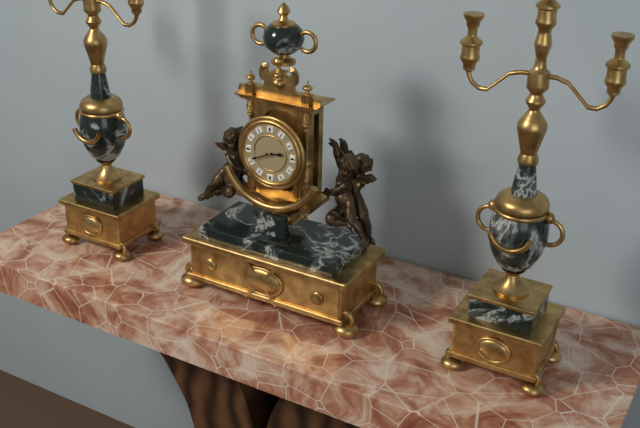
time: **2:41**
